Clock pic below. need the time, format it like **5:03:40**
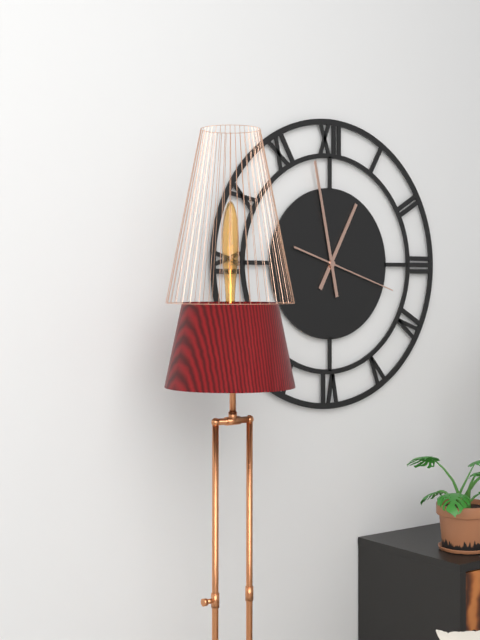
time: **12:58:18**
